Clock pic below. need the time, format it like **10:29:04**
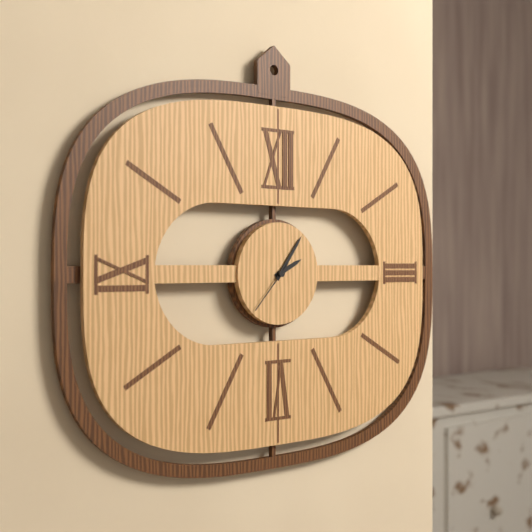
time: **2:06:37**
